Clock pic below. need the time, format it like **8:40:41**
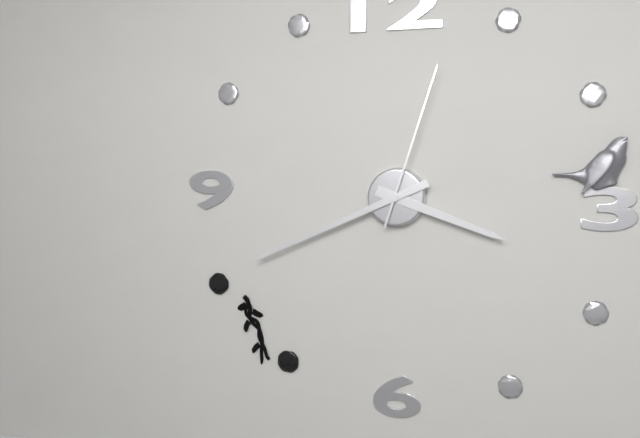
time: **3:41:03**
